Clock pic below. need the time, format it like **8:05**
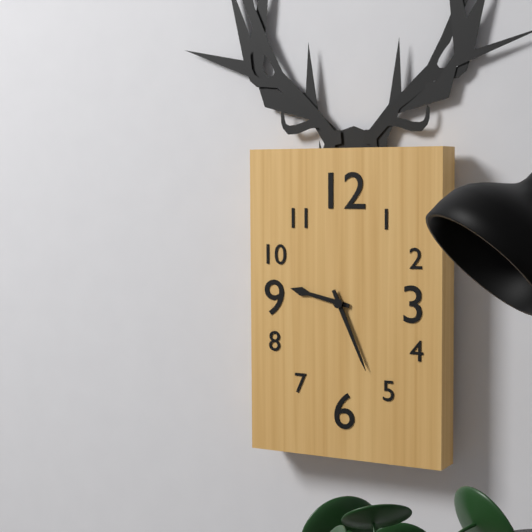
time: **9:26**
